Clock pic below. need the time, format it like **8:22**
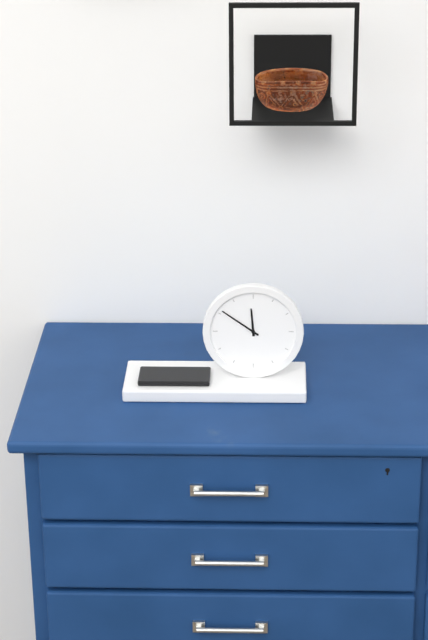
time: **11:51**
